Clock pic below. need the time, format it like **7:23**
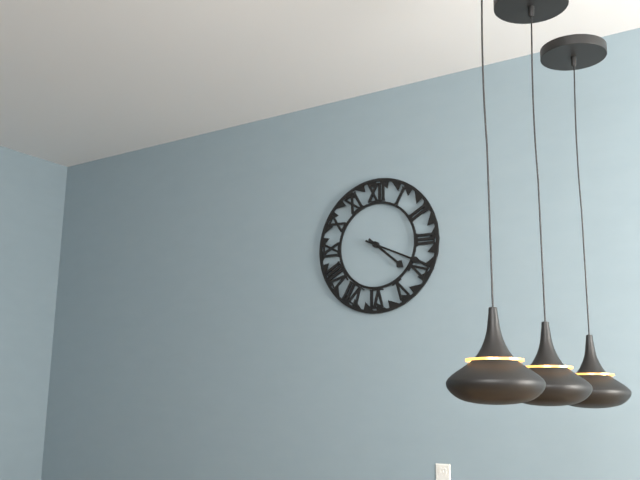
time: **4:19**
